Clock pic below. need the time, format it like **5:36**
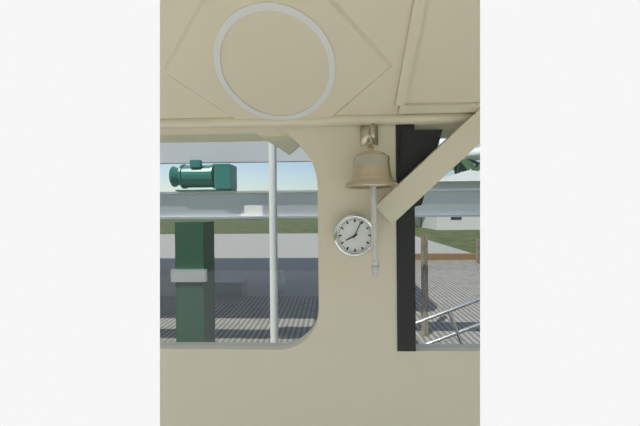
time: **8:04**
